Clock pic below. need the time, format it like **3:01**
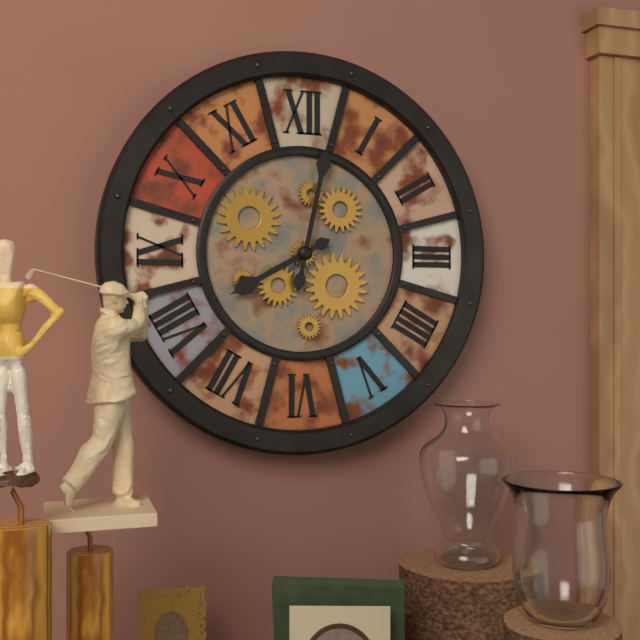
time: **8:02**
